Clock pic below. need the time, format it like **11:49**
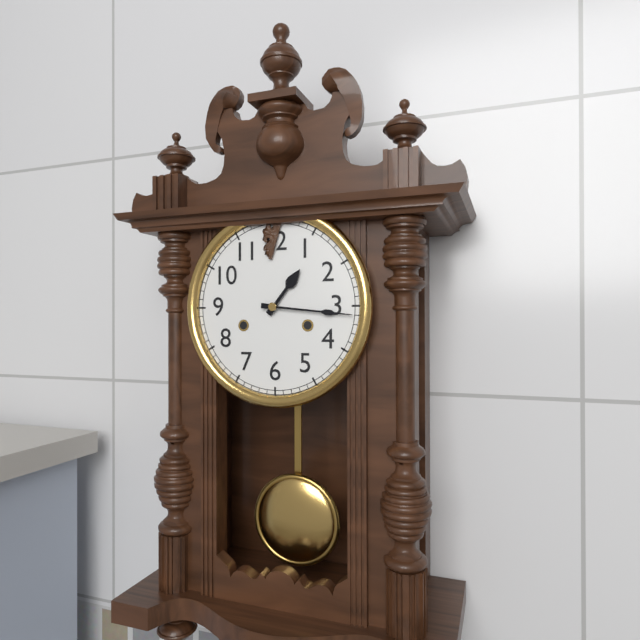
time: **1:16**
